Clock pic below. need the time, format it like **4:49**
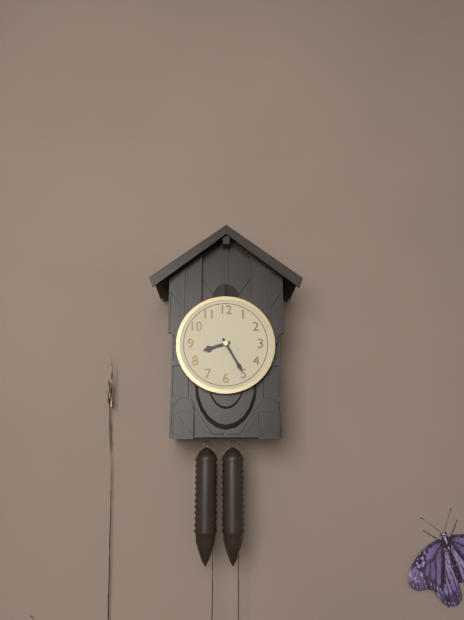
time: **8:25**
